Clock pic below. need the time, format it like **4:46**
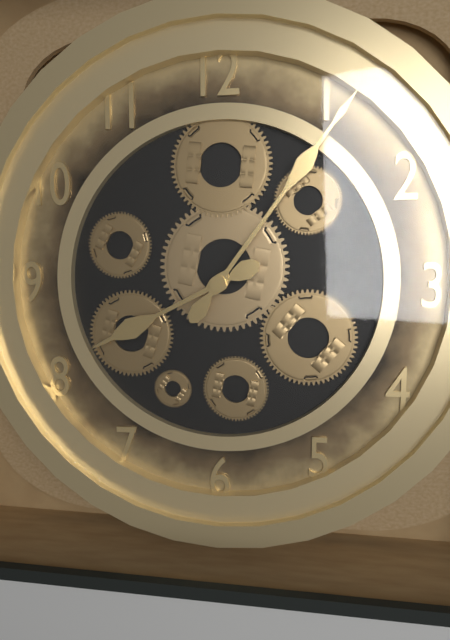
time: **8:06**
